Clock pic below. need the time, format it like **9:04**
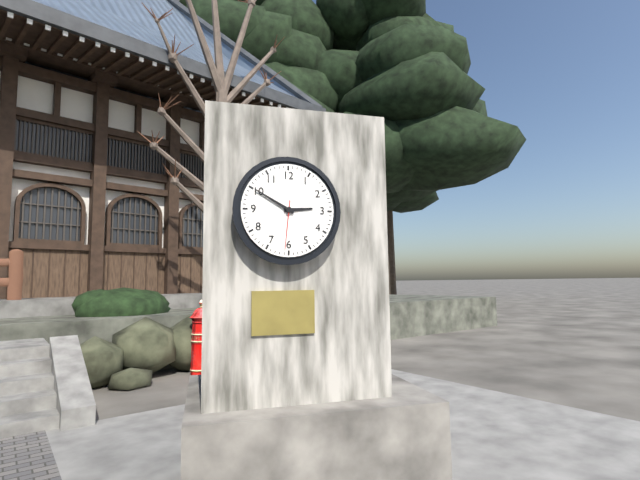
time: **2:50**
